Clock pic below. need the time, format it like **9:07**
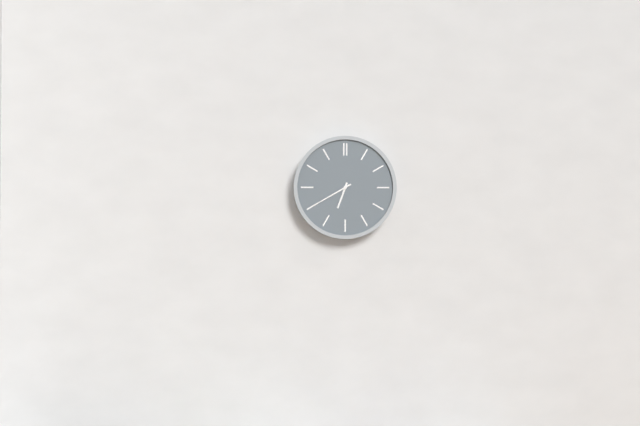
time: **6:40**
